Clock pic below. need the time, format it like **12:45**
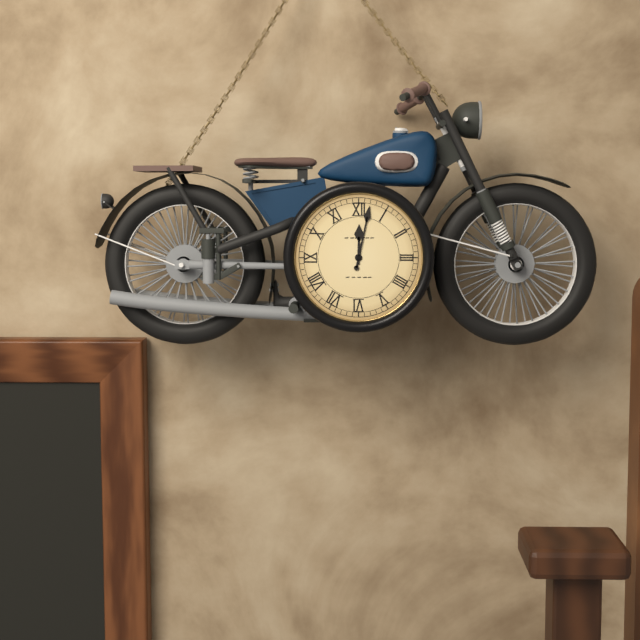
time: **12:02**
